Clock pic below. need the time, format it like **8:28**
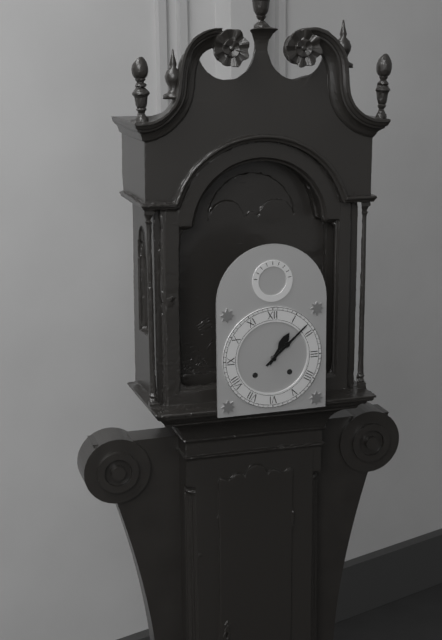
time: **1:08**
